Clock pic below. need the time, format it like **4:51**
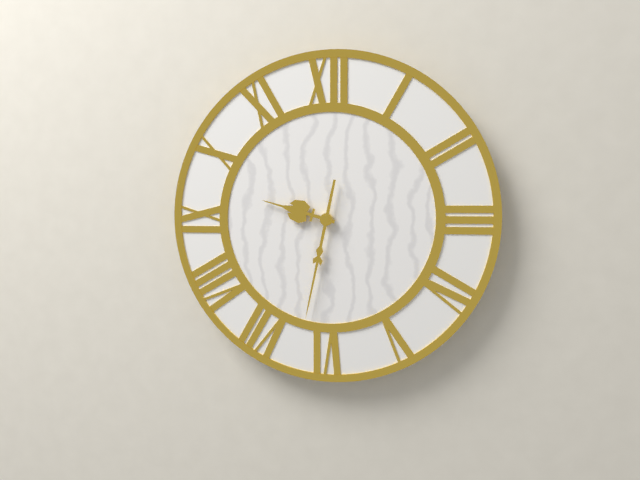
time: **9:32**
